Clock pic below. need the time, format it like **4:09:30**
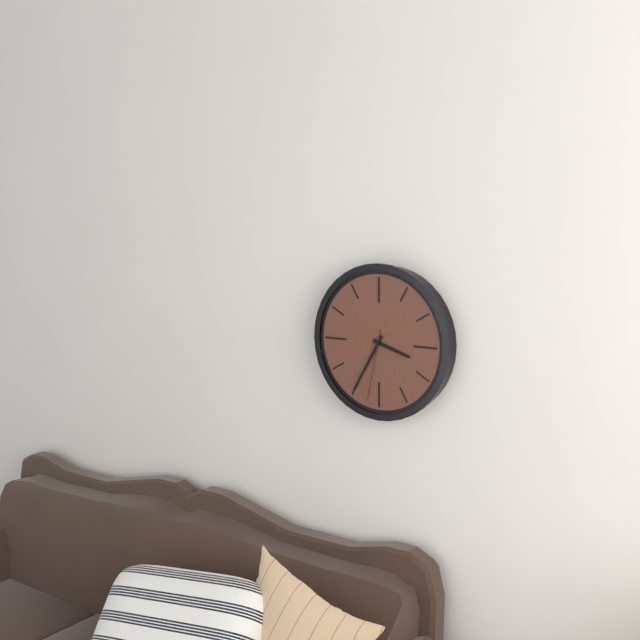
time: **3:35:32**
